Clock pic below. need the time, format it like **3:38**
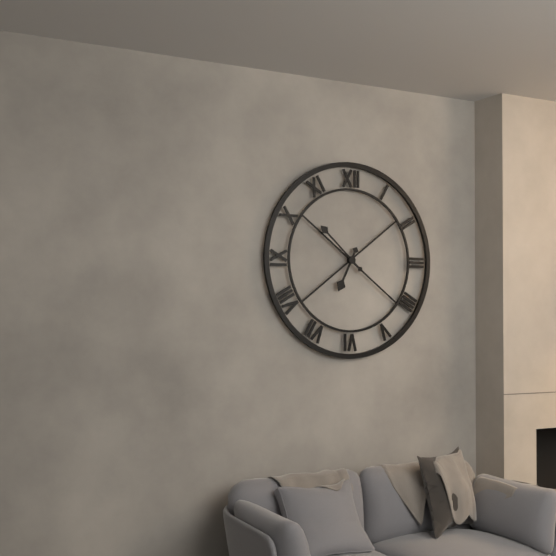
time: **6:52**
